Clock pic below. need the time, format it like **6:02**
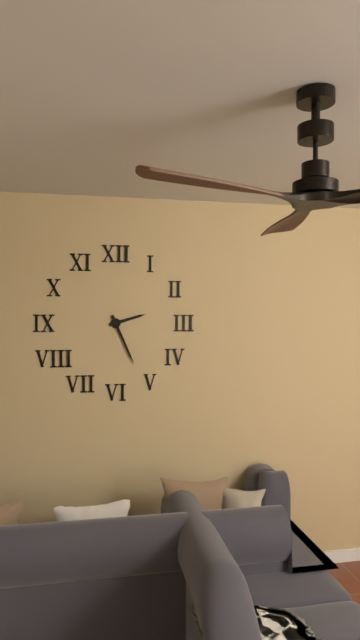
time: **2:26**
